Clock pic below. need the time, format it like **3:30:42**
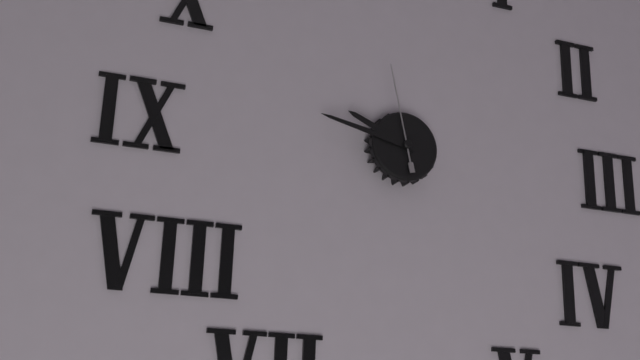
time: **9:47:58**
